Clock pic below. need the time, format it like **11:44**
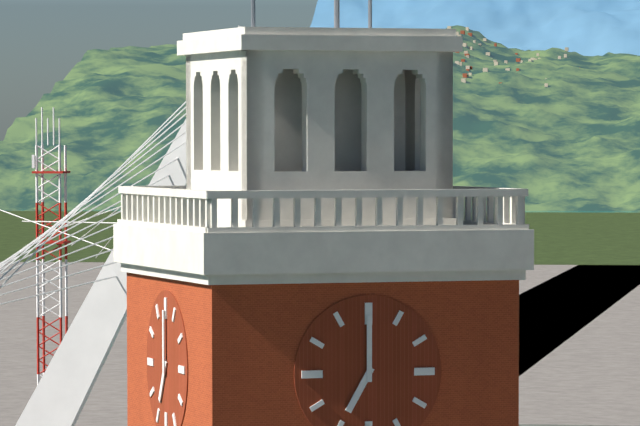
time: **7:00**
